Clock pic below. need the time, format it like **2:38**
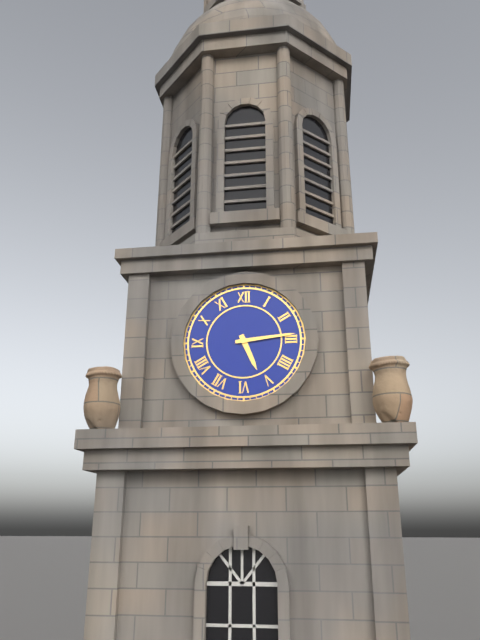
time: **5:14**
